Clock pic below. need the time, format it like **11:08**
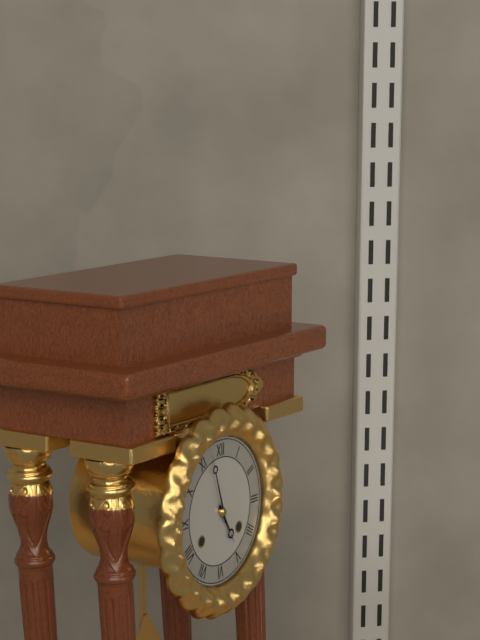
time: **4:57**
